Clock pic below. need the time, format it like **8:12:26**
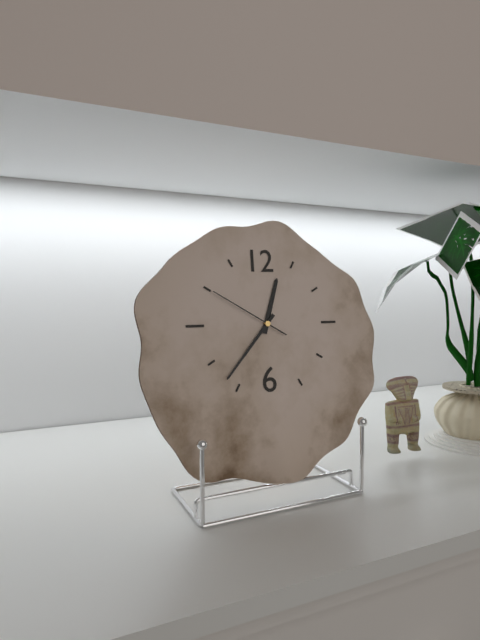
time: **12:37:50**
